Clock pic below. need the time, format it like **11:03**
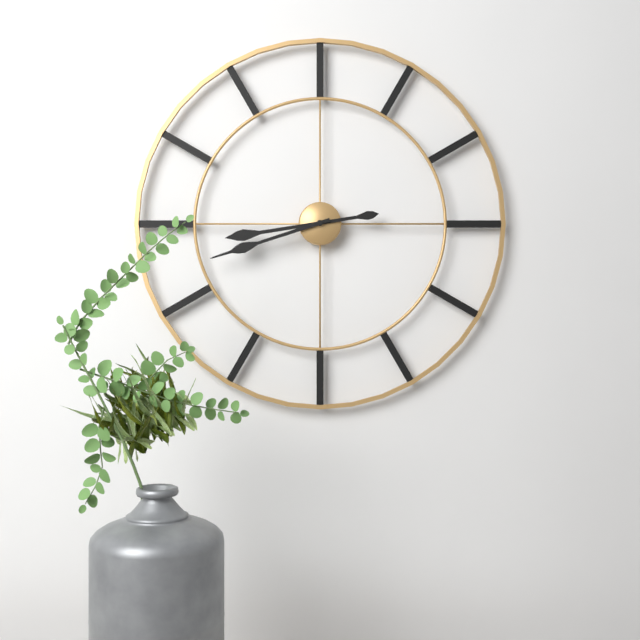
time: **8:42**
